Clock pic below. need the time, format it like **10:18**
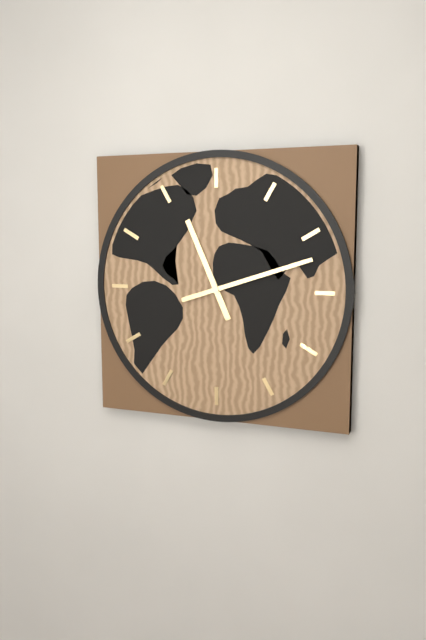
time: **11:12**
